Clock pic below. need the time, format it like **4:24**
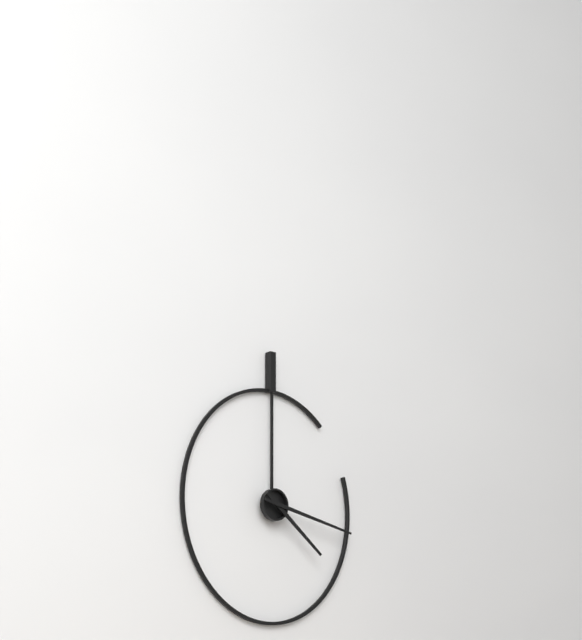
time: **4:17**
